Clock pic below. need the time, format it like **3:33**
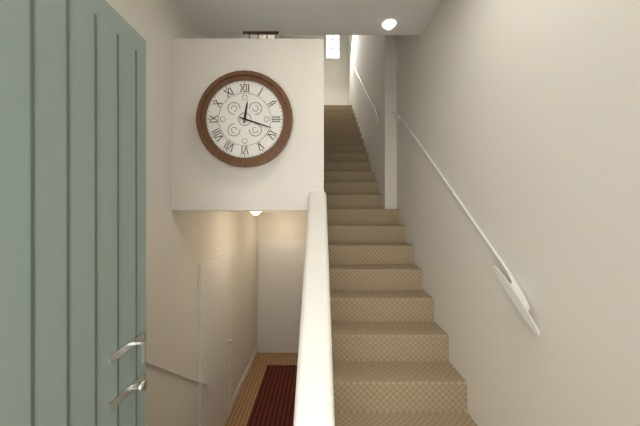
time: **12:18**
